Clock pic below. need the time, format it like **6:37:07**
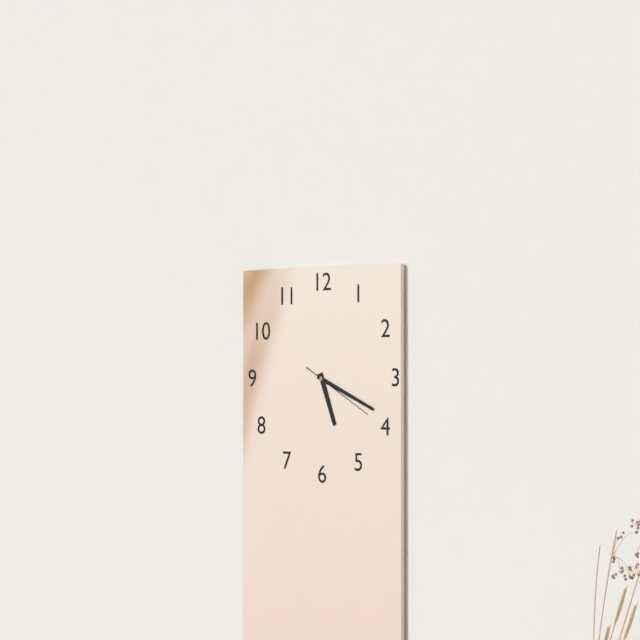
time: **5:19:20**
